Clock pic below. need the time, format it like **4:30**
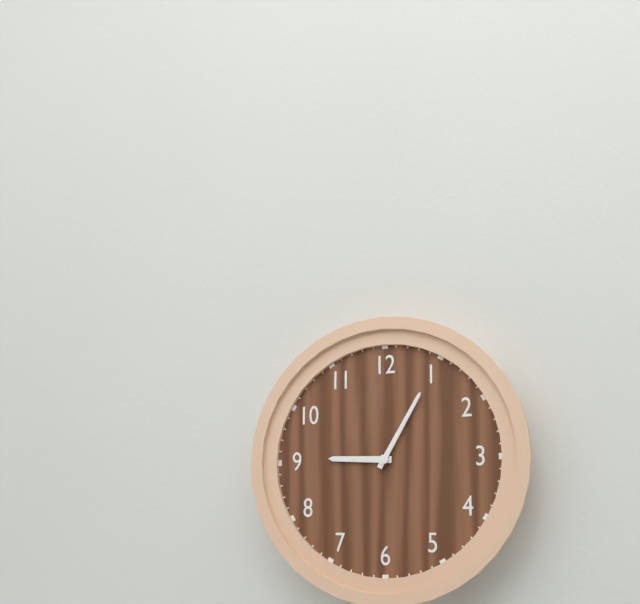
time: **9:05**
